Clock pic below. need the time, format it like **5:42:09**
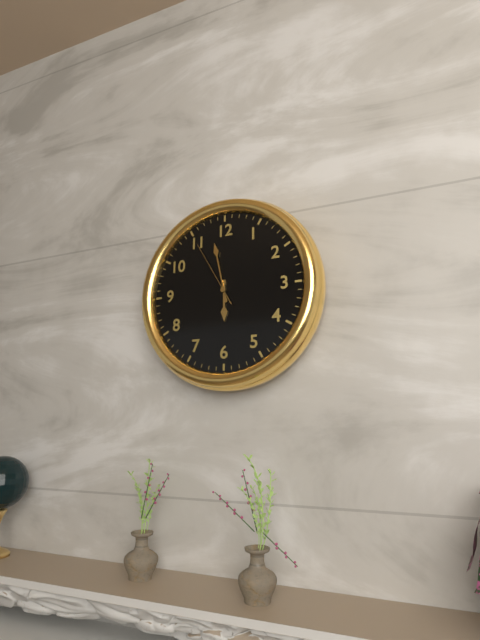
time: **5:58:55**
